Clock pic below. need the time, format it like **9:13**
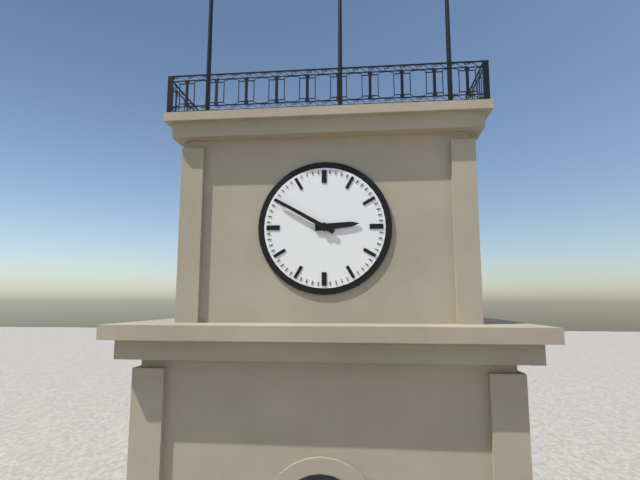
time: **2:50**
